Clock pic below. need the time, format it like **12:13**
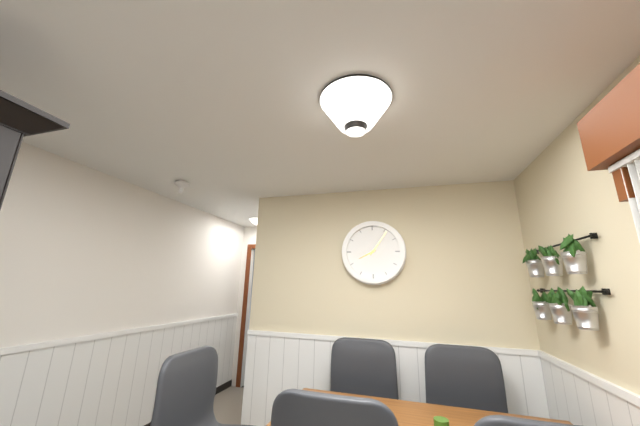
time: **8:06**
